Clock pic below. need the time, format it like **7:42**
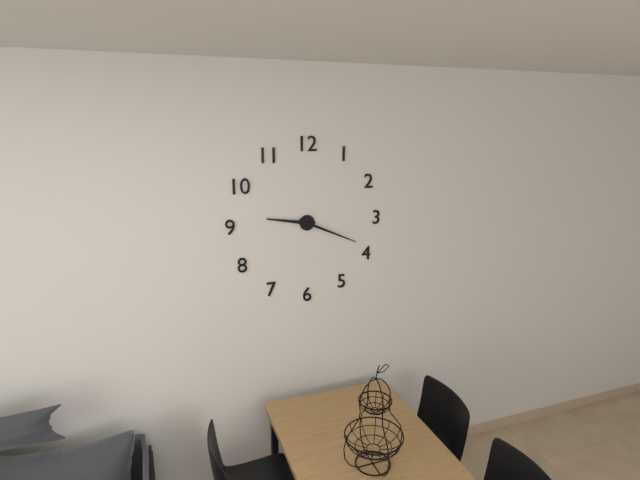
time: **9:19**
